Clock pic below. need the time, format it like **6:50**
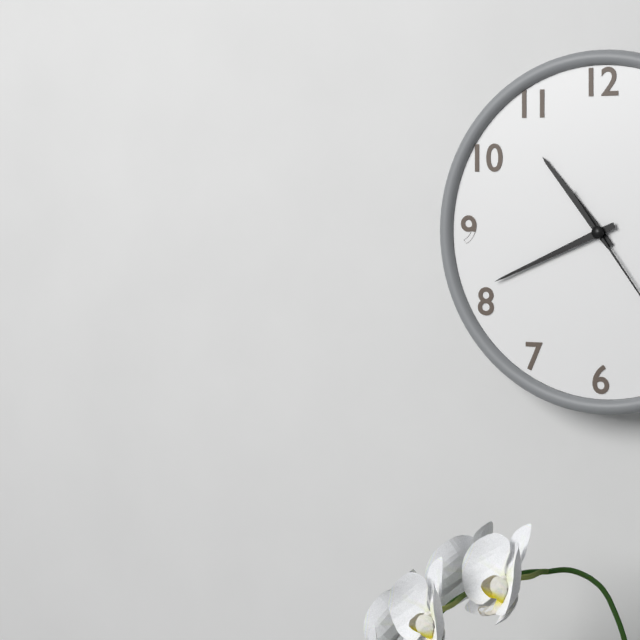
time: **10:41**
